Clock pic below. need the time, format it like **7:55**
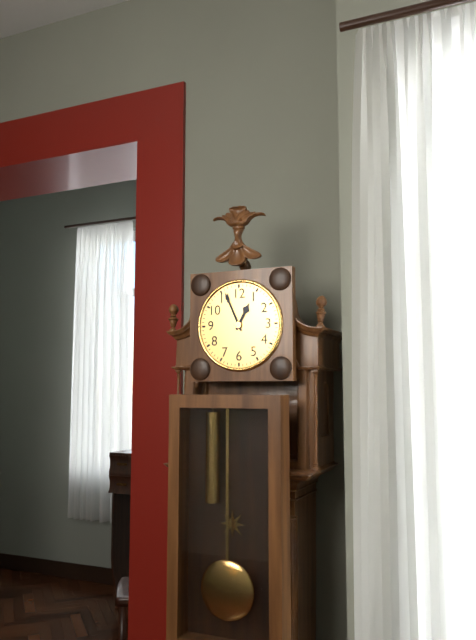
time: **12:56**
